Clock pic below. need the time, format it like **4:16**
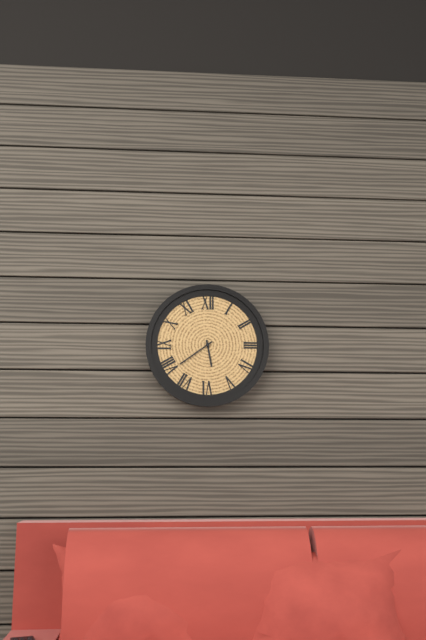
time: **5:39**
